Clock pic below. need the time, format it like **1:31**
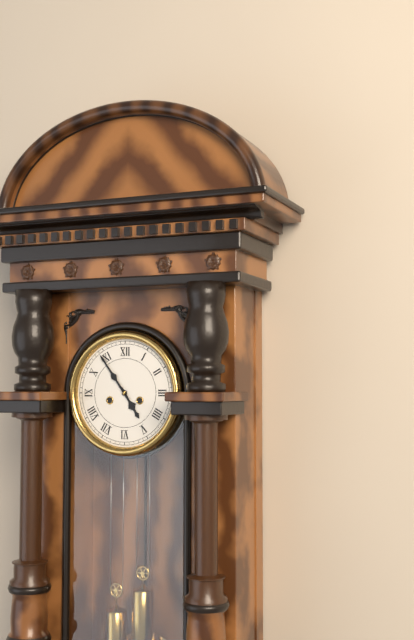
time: **4:54**
